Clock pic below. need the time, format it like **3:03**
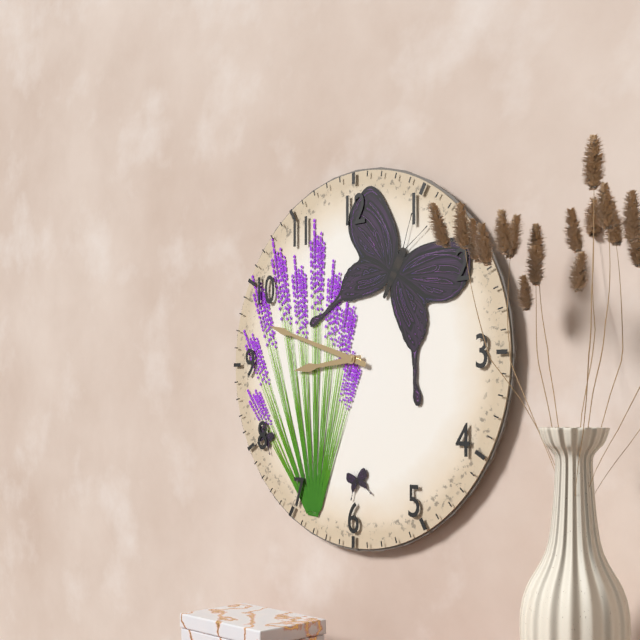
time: **8:48**
